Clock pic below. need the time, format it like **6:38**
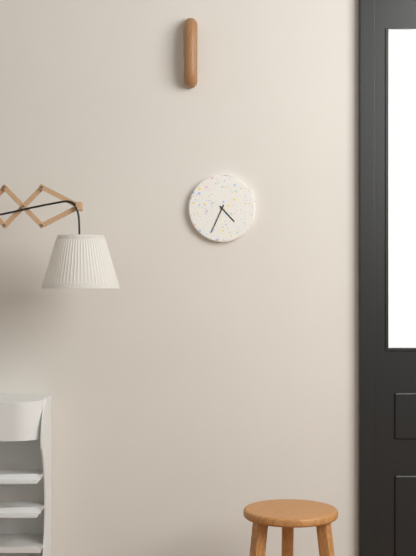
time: **4:34**
